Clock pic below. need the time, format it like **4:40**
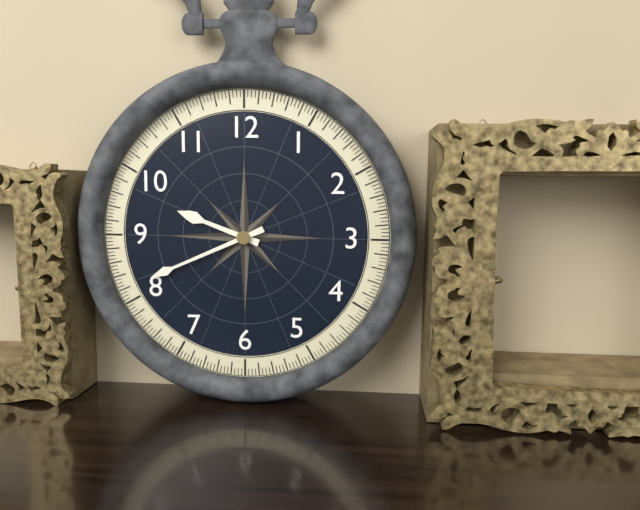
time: **9:41**
